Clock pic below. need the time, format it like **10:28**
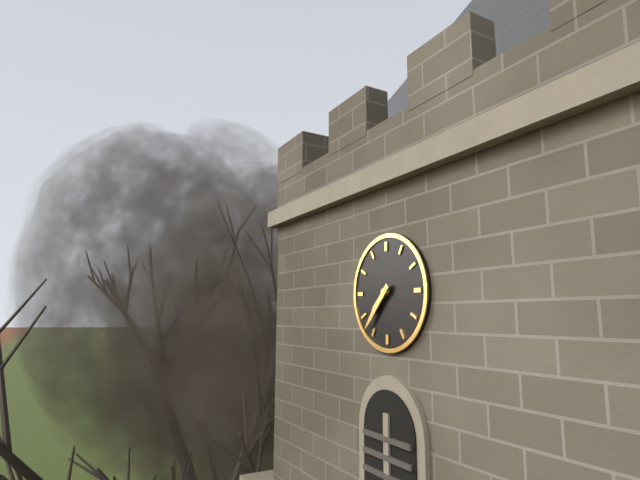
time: **7:37**
